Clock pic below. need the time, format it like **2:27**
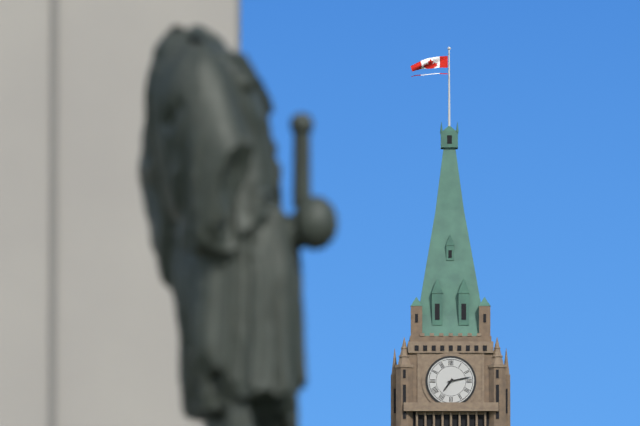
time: **7:13**
